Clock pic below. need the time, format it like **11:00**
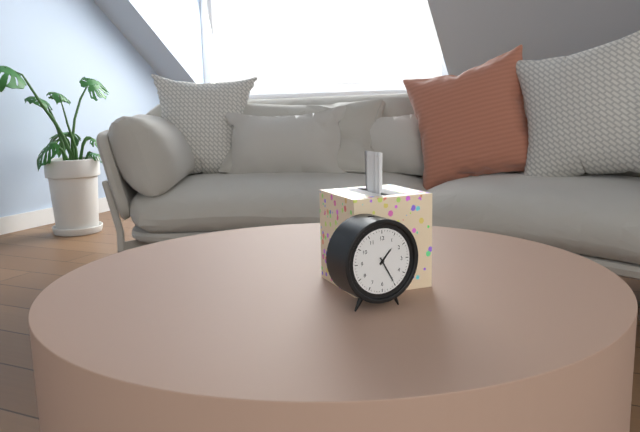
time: **1:25**
